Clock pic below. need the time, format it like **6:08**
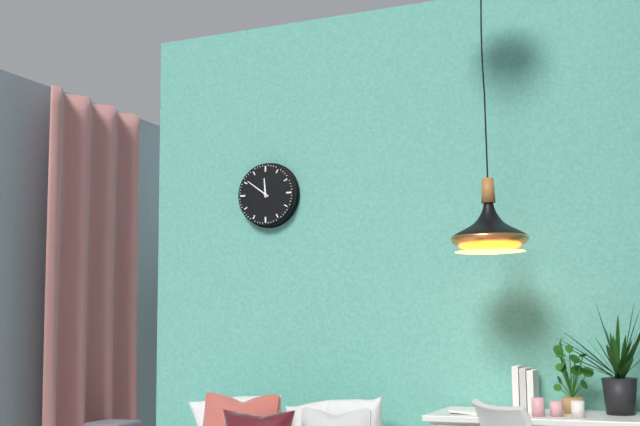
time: **11:51**
